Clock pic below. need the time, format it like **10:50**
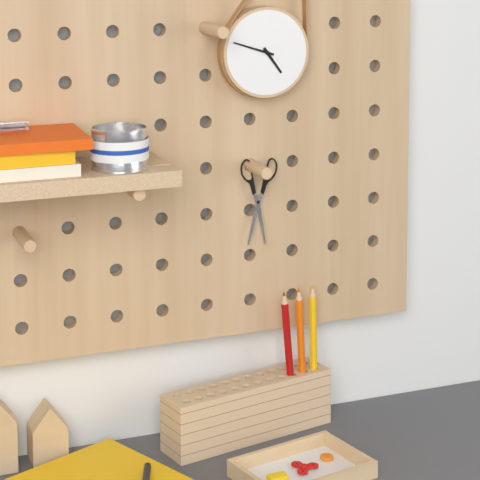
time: **4:48**
